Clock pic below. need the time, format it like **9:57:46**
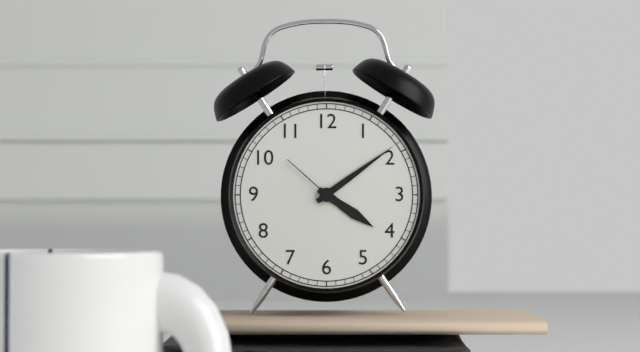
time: **4:09:52**
